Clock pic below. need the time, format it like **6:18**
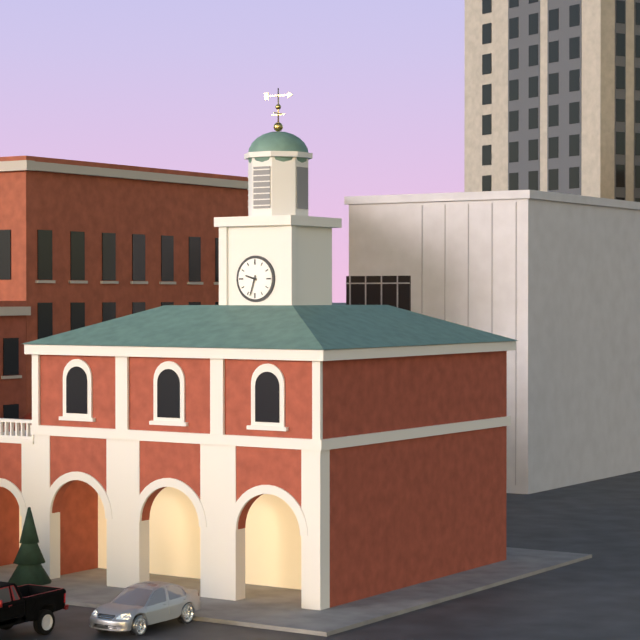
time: **9:33**
